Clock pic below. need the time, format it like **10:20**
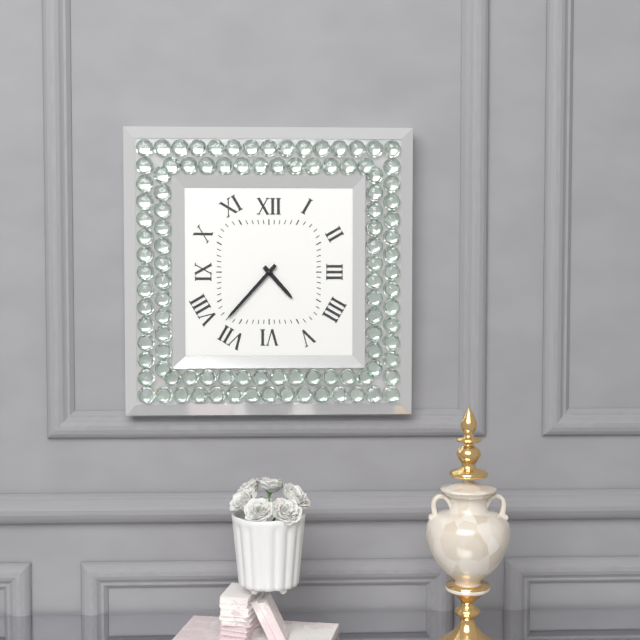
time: **4:37**
